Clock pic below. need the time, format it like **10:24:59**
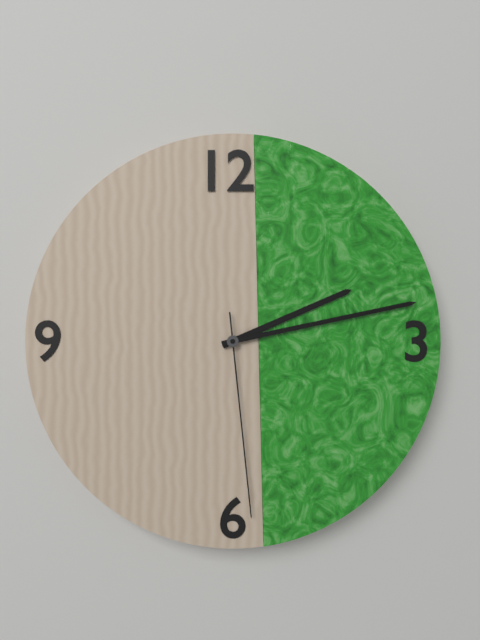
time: **2:13:29**
